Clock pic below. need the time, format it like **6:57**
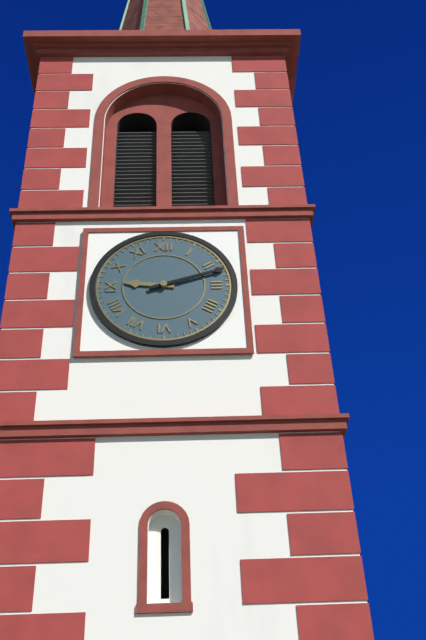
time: **9:12**
